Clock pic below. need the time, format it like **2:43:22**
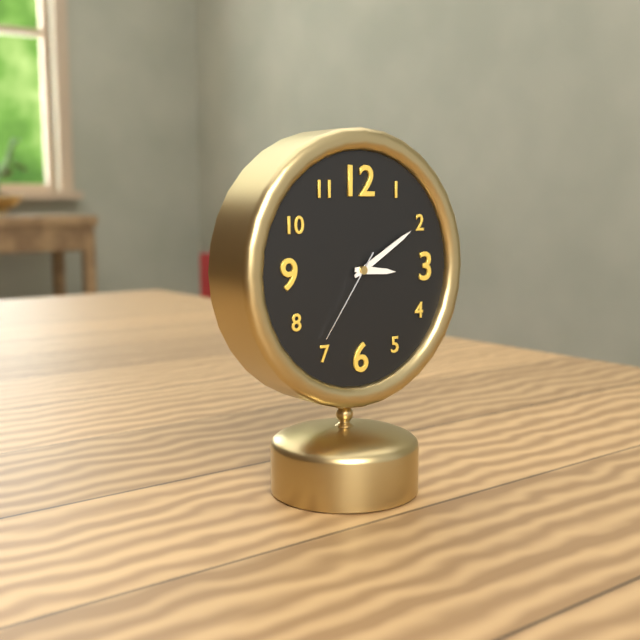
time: **3:10:36**
